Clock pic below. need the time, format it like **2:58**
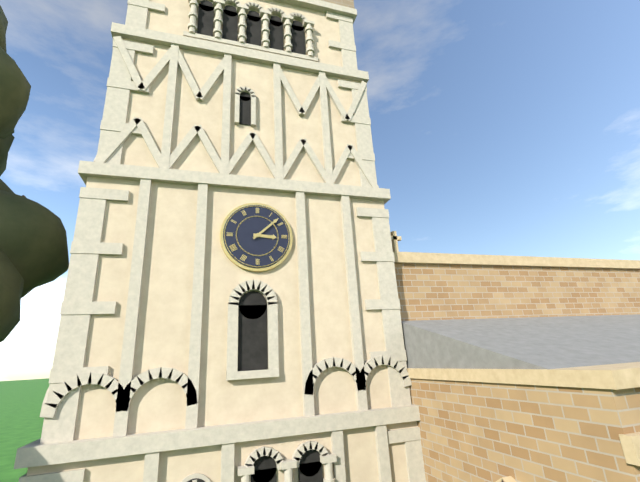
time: **3:08**
